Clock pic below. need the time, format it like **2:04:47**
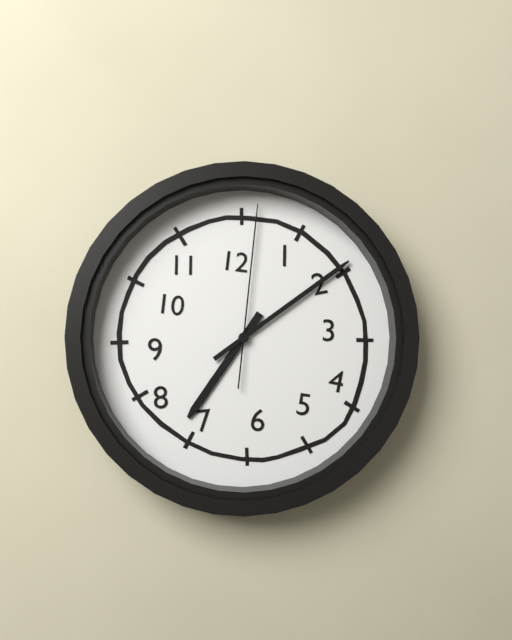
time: **7:09:01**
